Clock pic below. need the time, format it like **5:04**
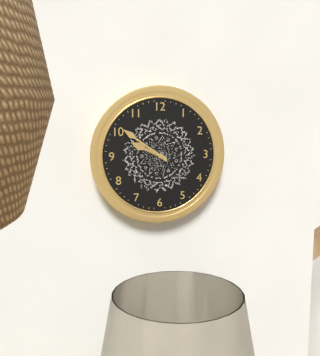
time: **9:51**
